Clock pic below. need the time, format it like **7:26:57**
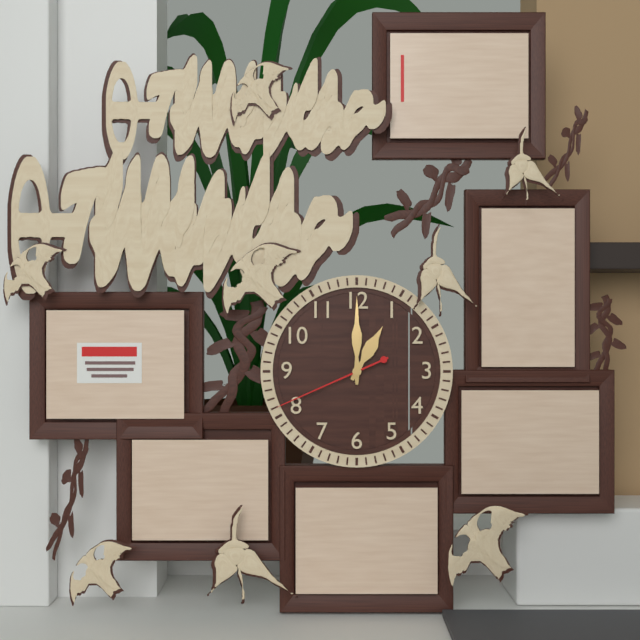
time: **1:00:41**
